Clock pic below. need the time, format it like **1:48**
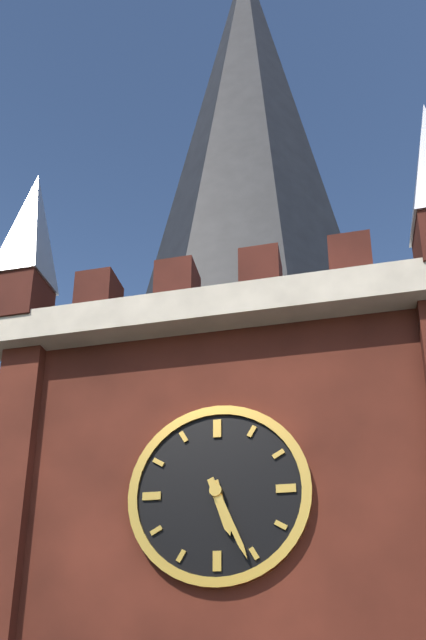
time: **5:26**
